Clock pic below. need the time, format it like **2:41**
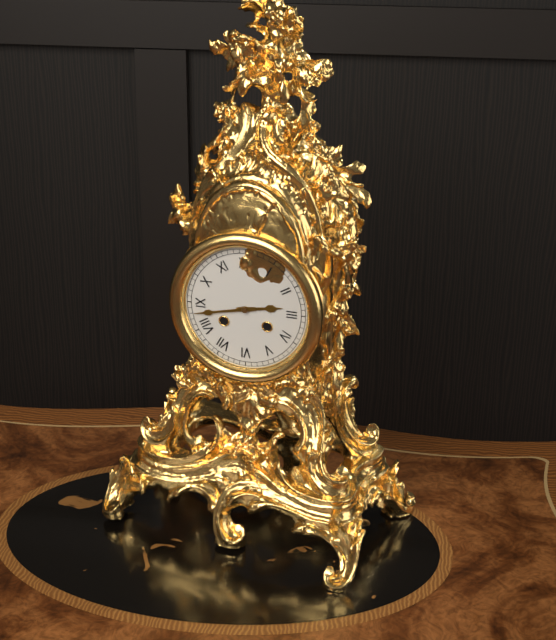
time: **2:43**
